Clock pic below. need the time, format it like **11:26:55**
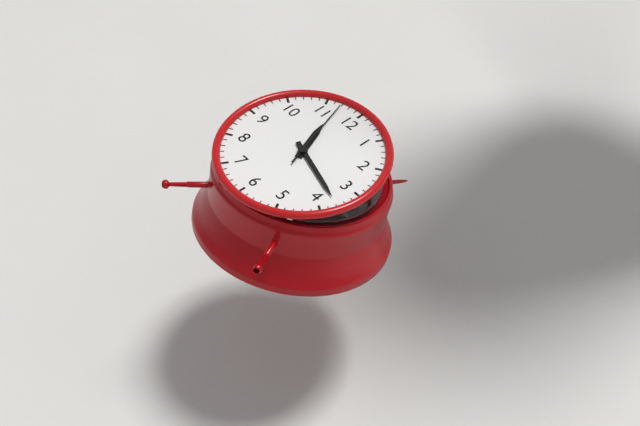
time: **11:18:57**
